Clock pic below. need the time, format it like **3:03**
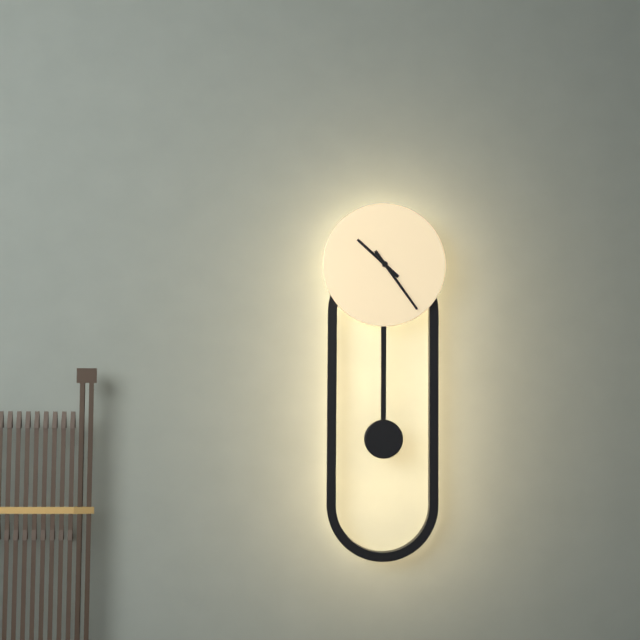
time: **10:24**
